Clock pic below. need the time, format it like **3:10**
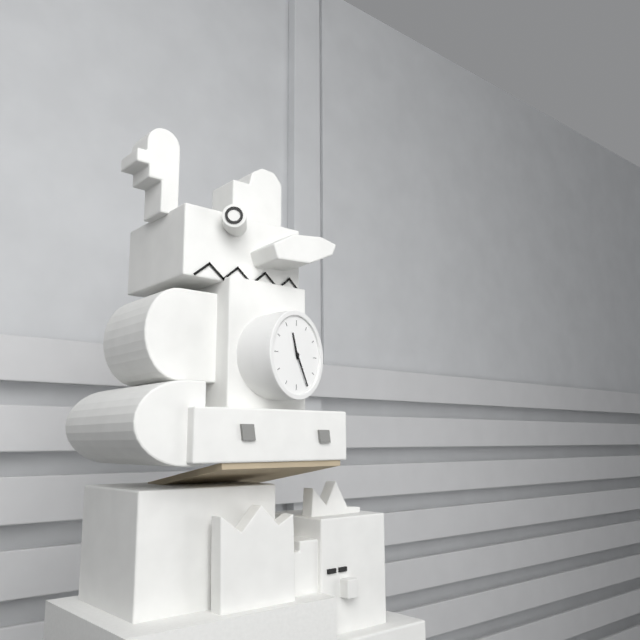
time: **11:25**
